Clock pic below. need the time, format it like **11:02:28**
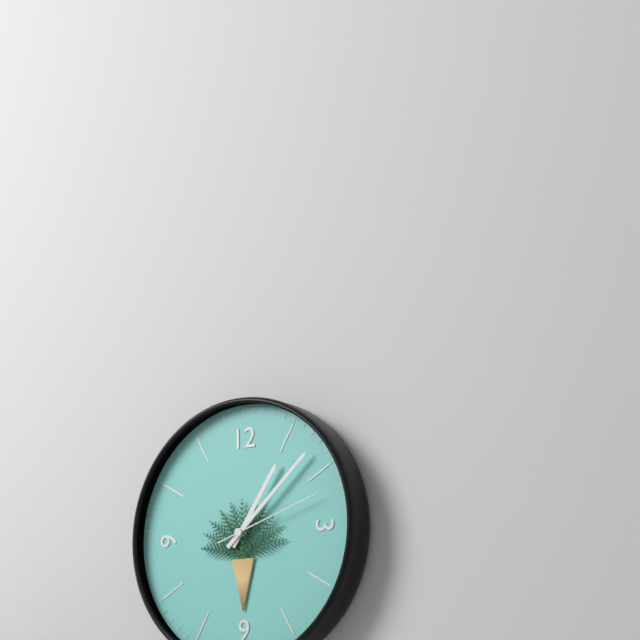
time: **1:08:12**
